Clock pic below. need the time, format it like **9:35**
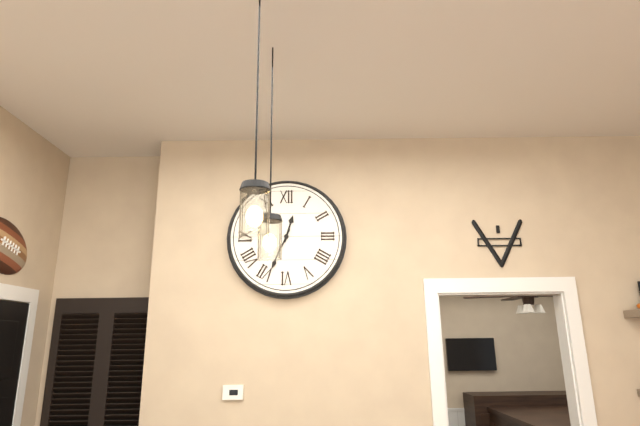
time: **12:34**
